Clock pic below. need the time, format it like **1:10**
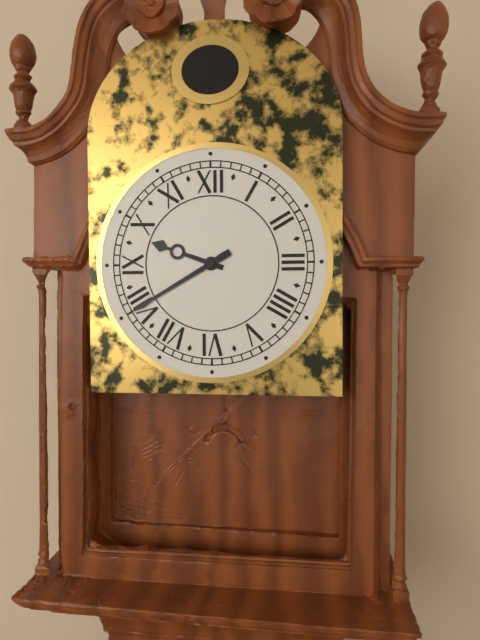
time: **9:40**
